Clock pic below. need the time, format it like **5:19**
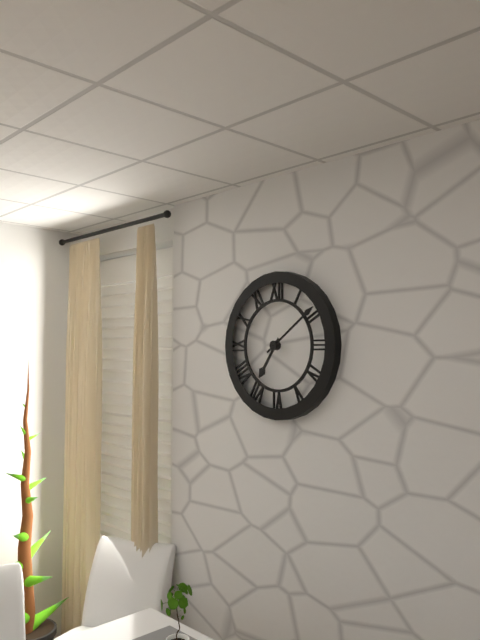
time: **7:09**
